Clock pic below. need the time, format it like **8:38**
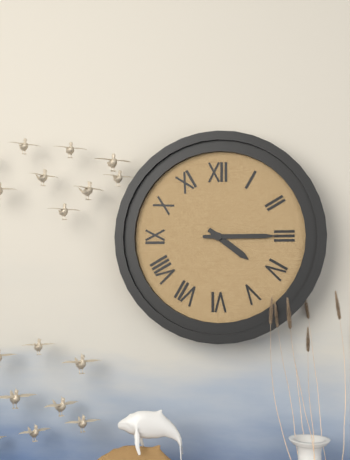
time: **4:15**
